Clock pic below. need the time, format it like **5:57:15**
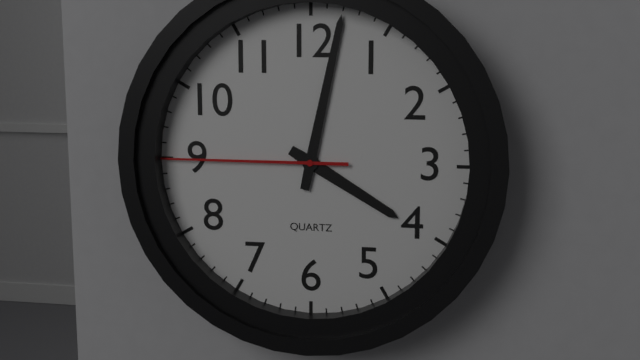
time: **4:02:45**
